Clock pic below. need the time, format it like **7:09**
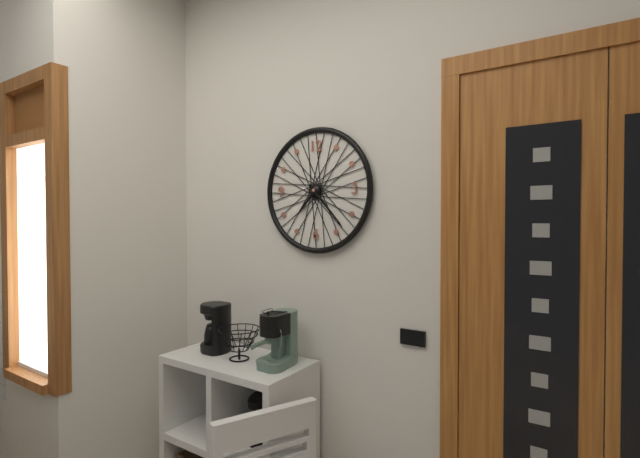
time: **7:23**
